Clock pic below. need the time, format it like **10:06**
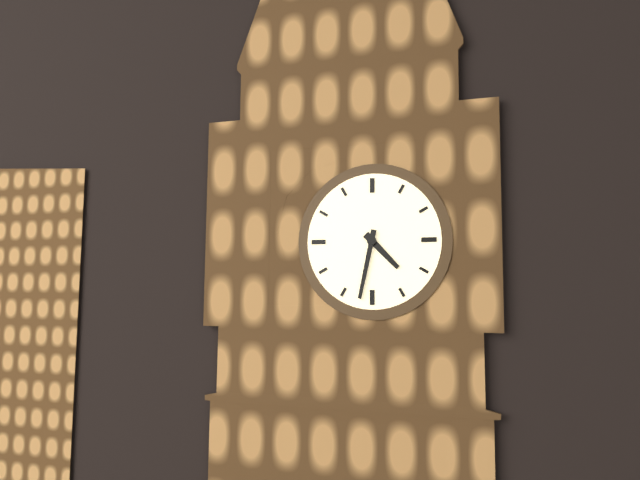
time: **4:32**
